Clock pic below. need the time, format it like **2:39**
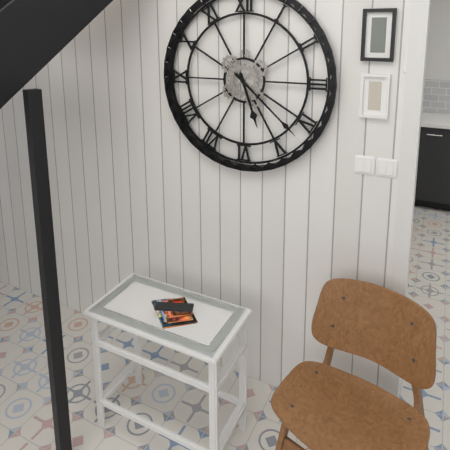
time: **5:22**
